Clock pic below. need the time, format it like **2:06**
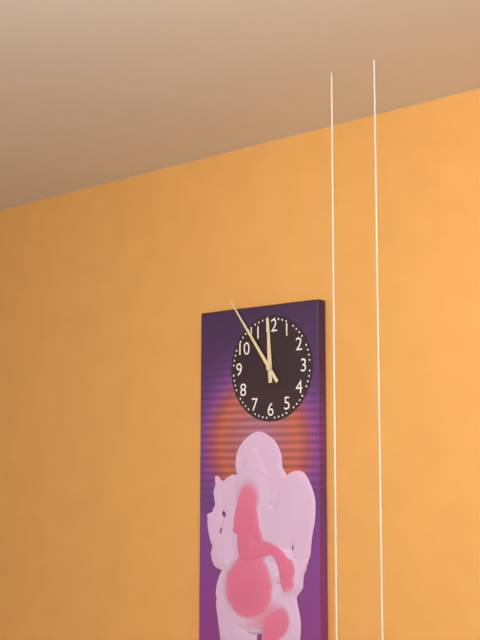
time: **11:54**
